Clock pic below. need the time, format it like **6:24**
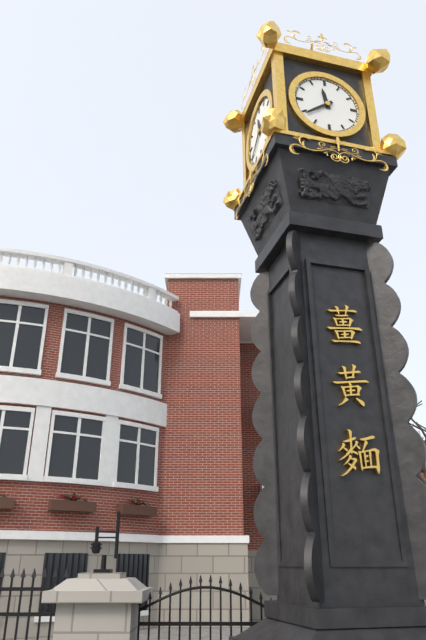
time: **11:39**
